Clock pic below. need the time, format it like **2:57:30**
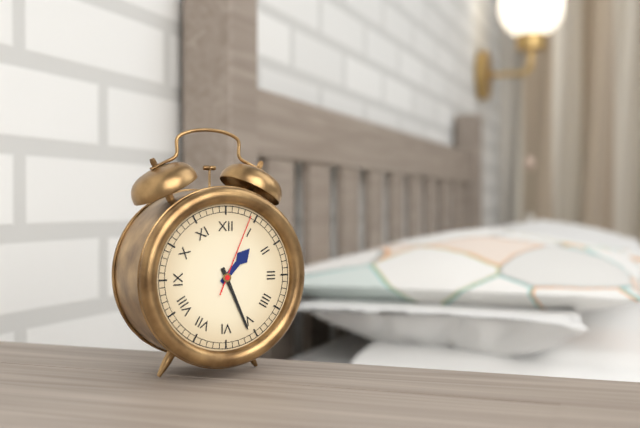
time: **1:26:04**
